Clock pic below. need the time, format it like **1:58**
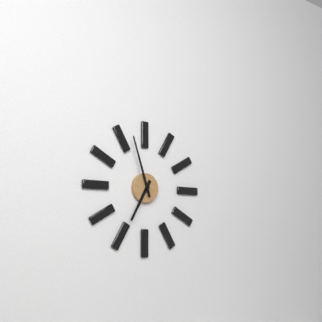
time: **6:57**
